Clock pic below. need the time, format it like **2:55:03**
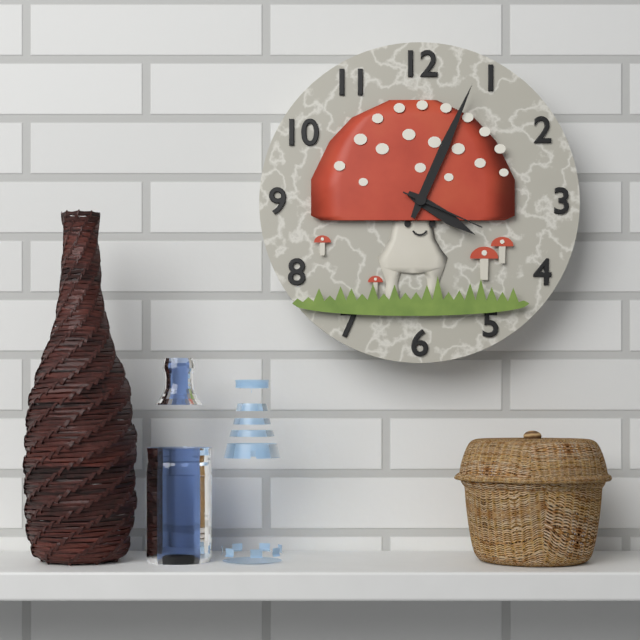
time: **4:04:19**
